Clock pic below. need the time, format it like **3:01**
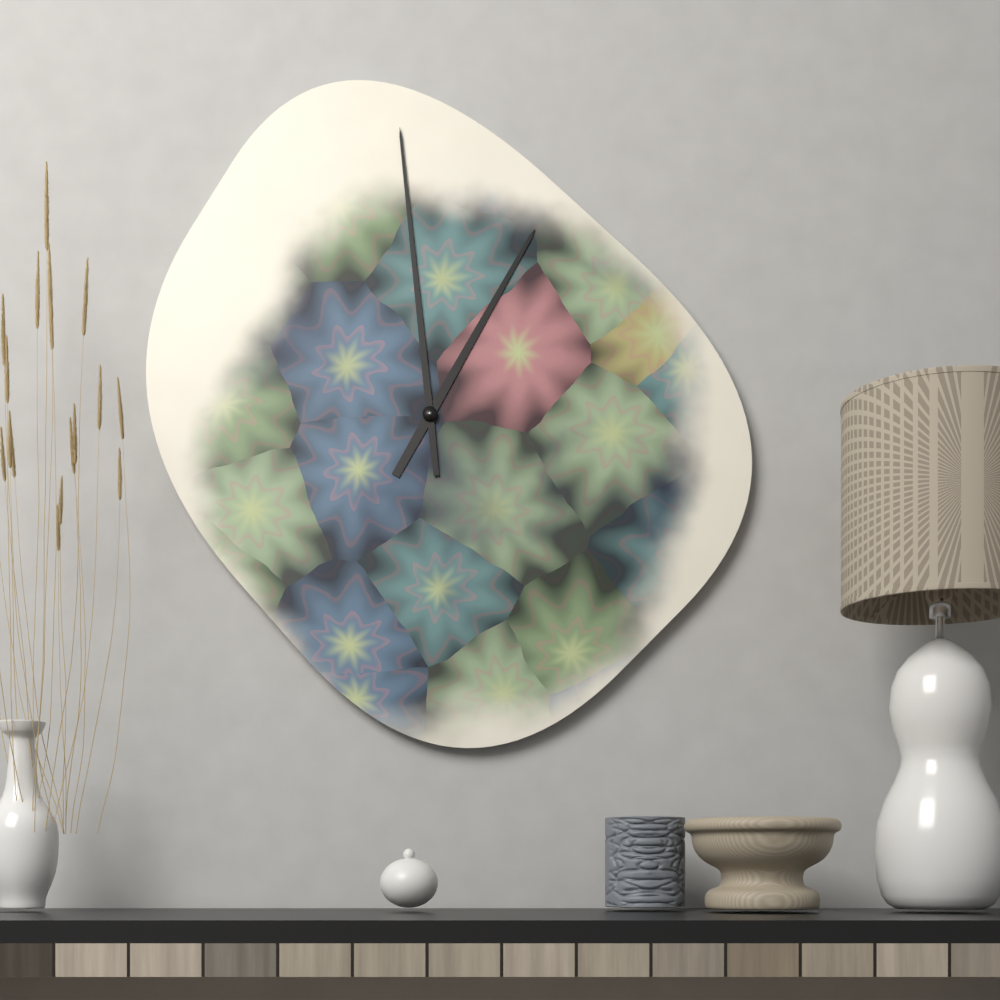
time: **12:59**
